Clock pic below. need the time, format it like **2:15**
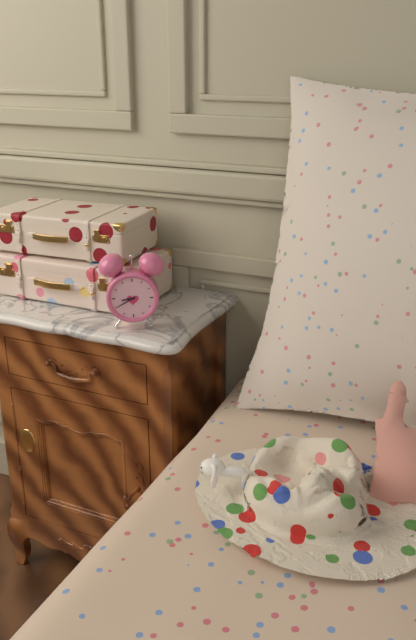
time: **8:40**
